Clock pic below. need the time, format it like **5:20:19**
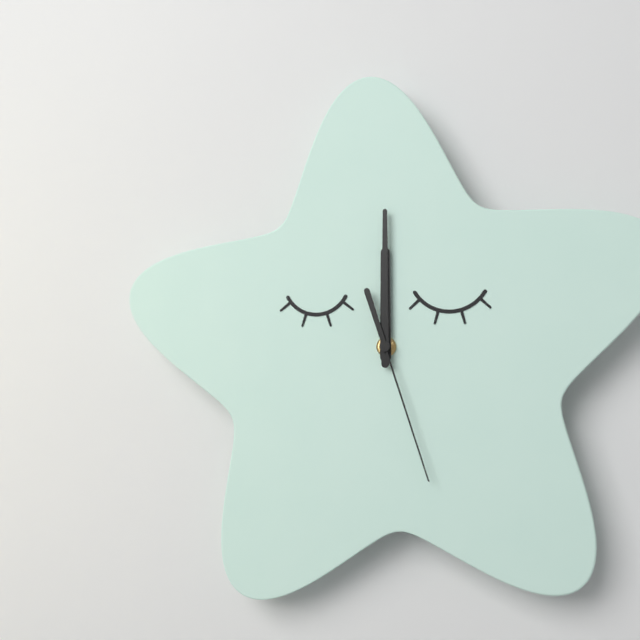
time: **12:00:27**
